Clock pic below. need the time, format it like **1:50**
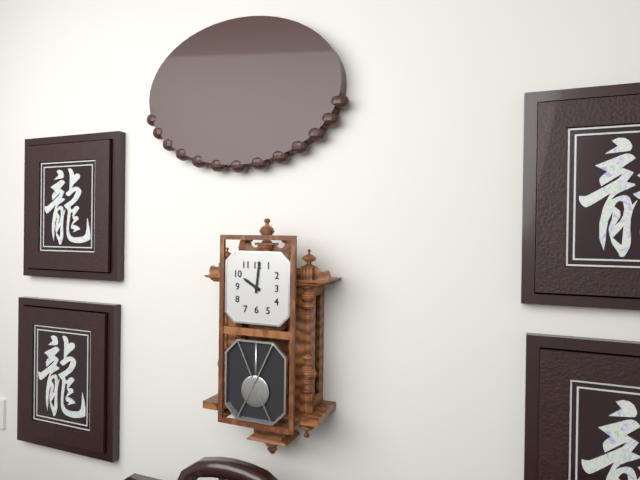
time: **10:01**
